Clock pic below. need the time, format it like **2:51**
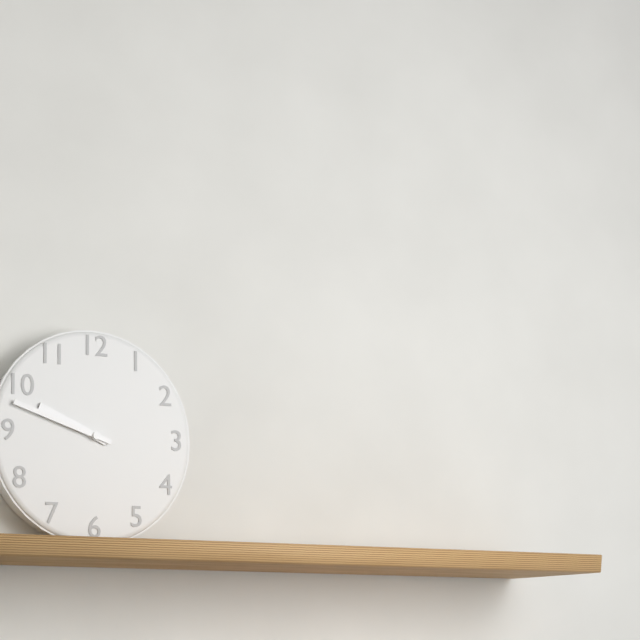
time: **9:48**
